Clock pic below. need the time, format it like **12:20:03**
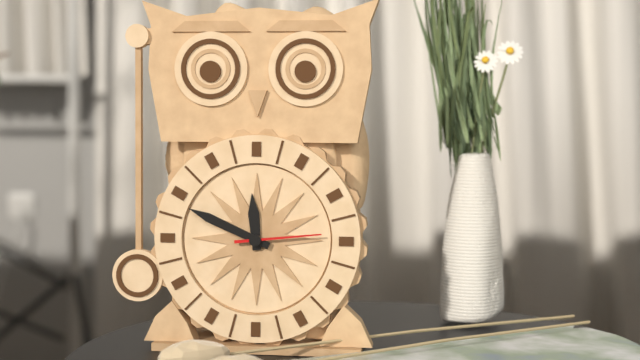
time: **11:49:14**
